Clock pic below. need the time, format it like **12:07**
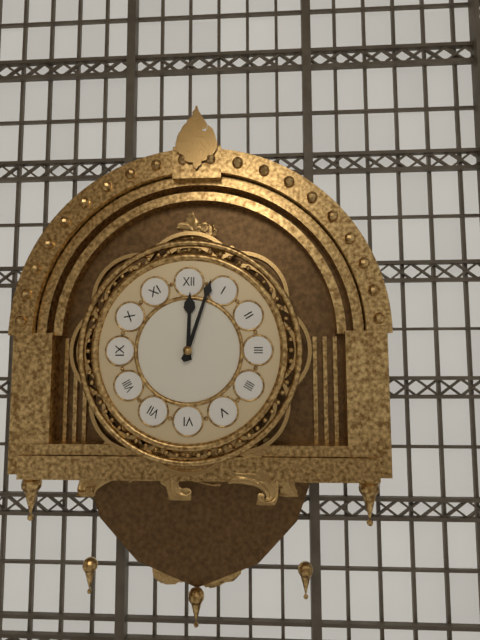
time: **12:03**
